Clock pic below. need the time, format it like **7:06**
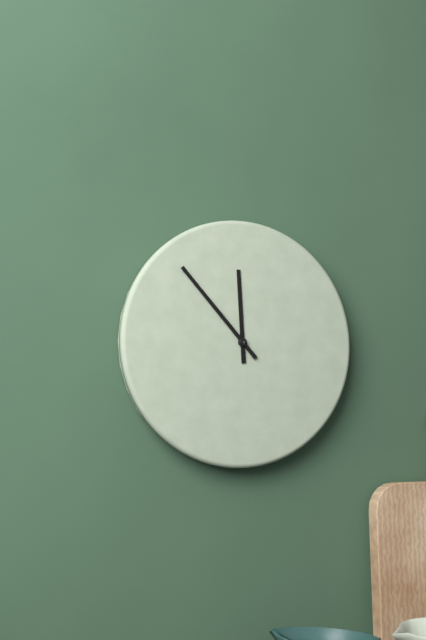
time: **11:53**
